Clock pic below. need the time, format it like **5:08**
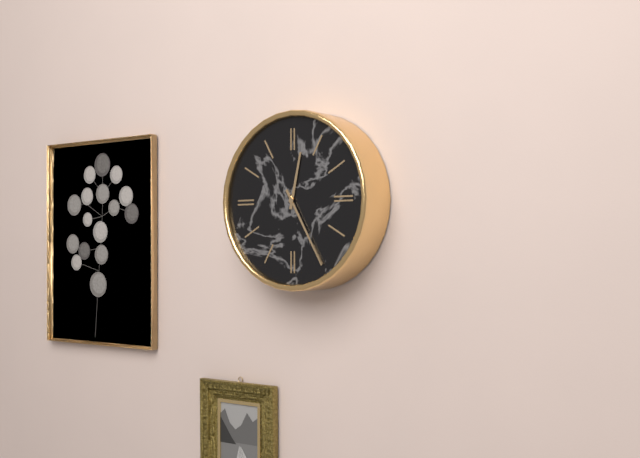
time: **12:25**
